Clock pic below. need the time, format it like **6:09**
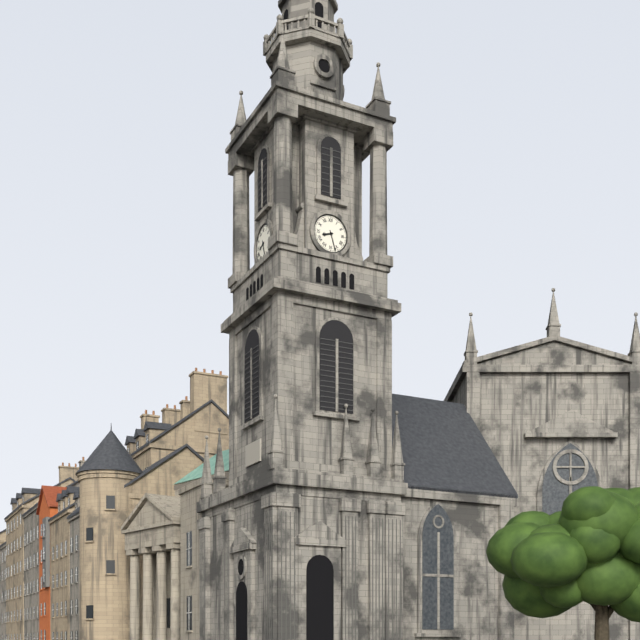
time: **8:27**
